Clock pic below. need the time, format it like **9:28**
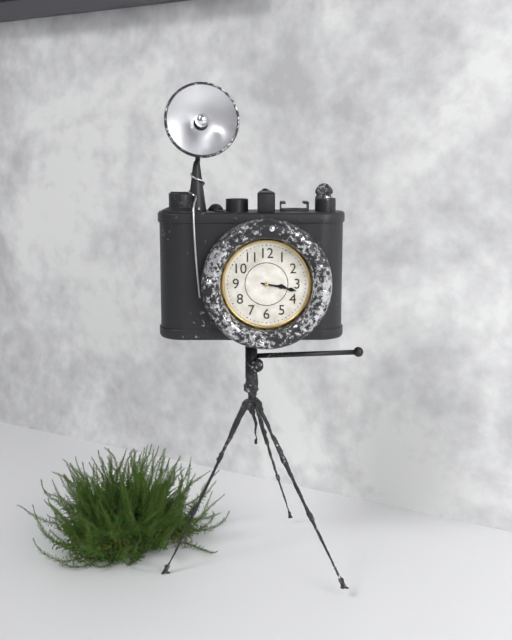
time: **3:17**
